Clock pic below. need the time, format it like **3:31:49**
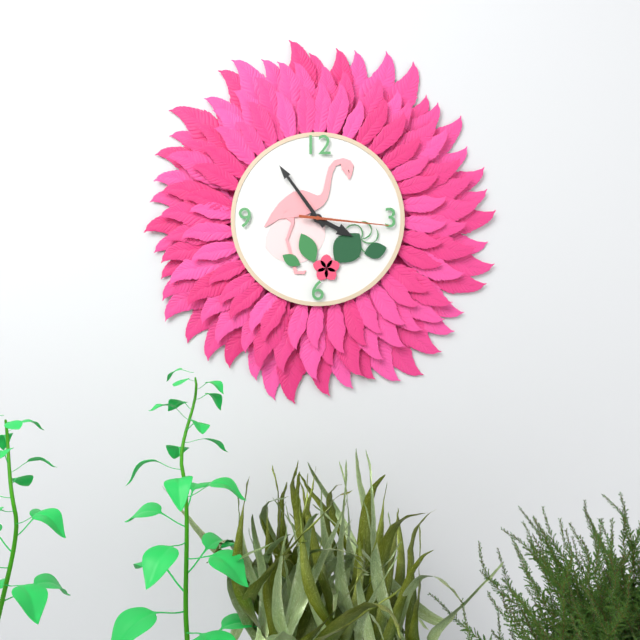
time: **3:54:16**
